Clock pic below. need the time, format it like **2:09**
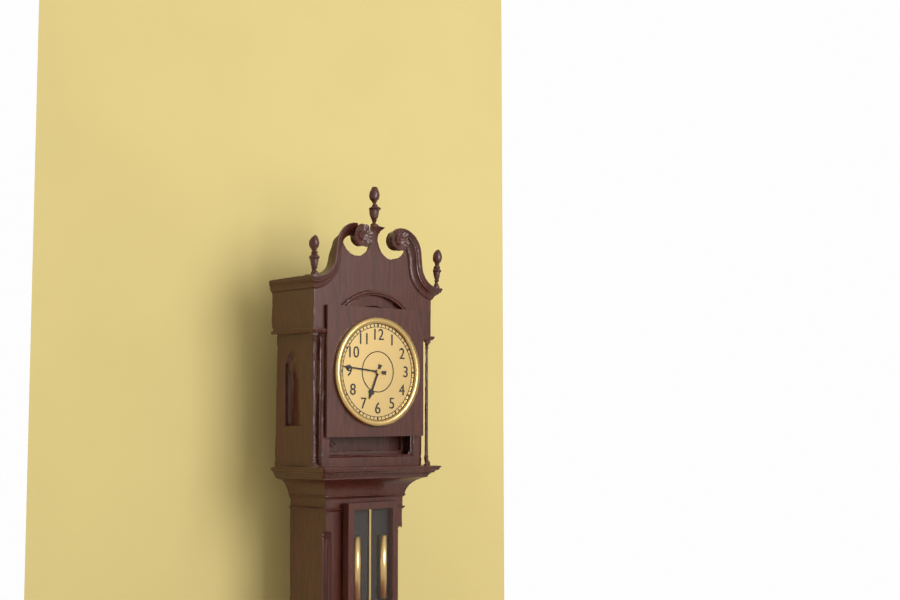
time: **6:46**
